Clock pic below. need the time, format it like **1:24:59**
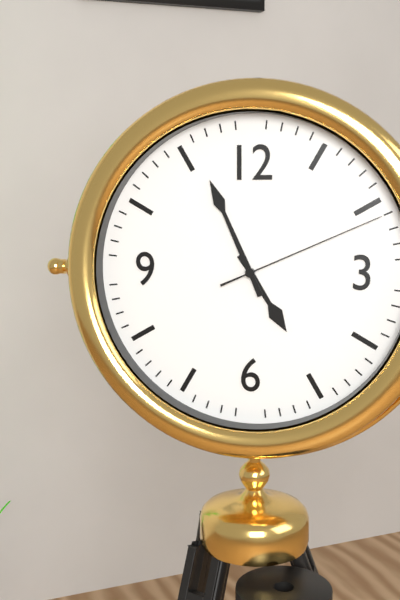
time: **4:56:11**
